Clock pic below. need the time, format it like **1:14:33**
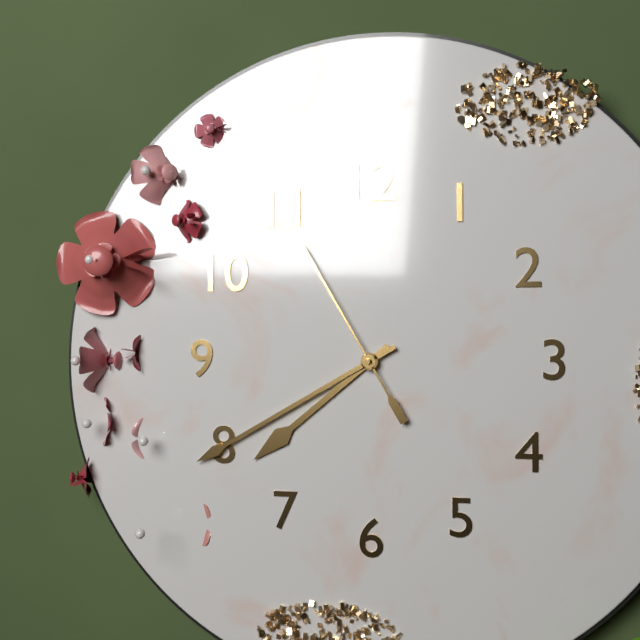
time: **7:40:55**
